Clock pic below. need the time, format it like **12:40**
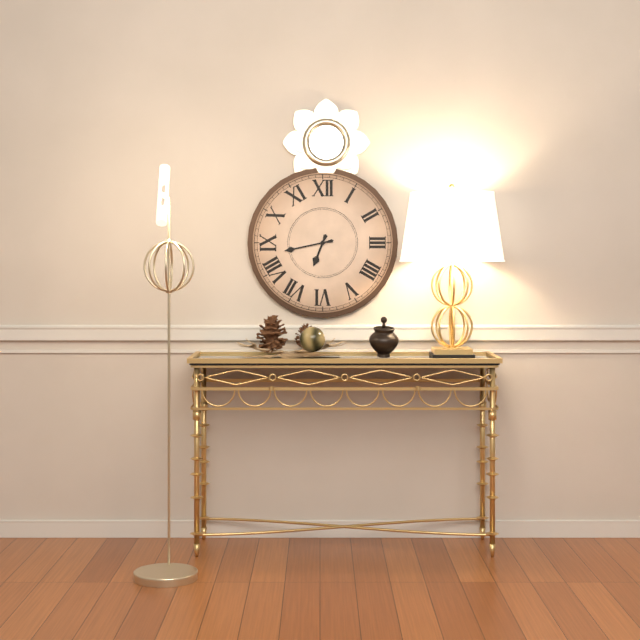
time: **6:43**
